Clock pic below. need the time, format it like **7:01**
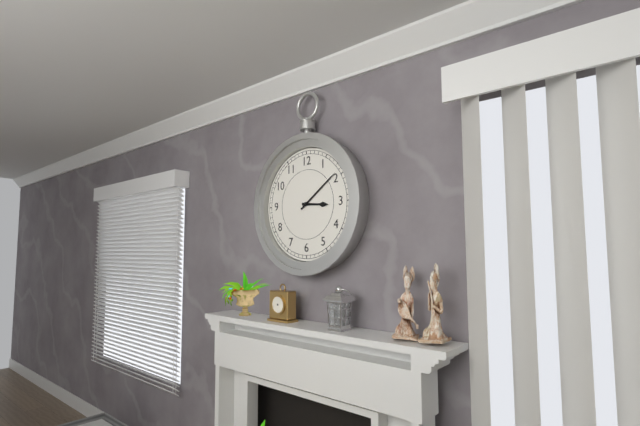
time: **3:09**
